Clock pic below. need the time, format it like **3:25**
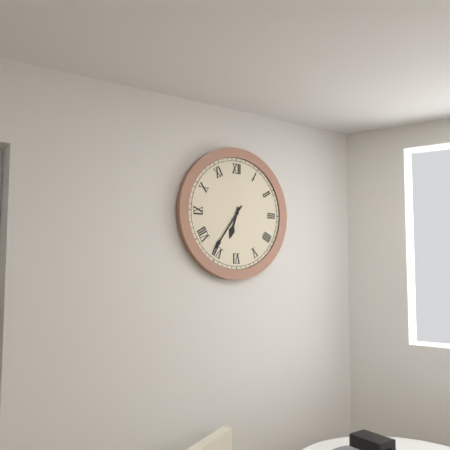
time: **6:36**
